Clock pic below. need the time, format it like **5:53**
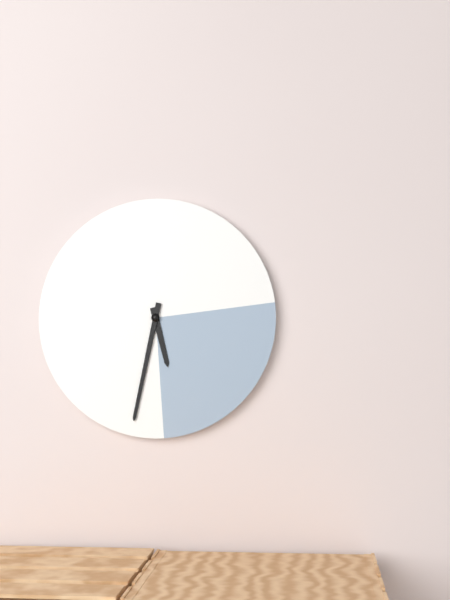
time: **5:32**
